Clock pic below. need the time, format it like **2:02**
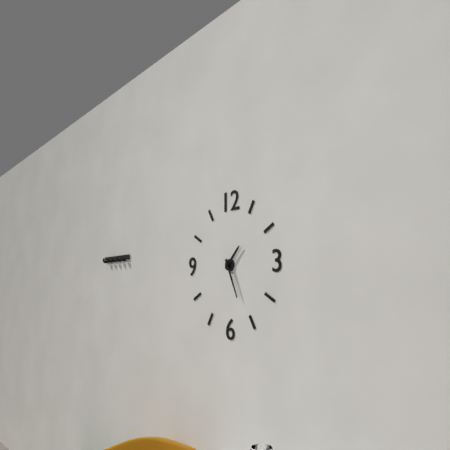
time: **1:26**
